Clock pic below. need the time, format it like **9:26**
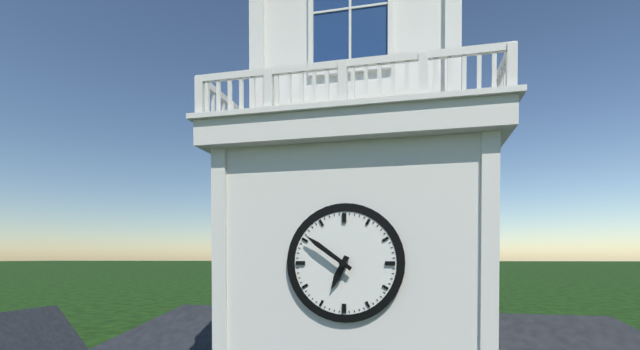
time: **6:51**
